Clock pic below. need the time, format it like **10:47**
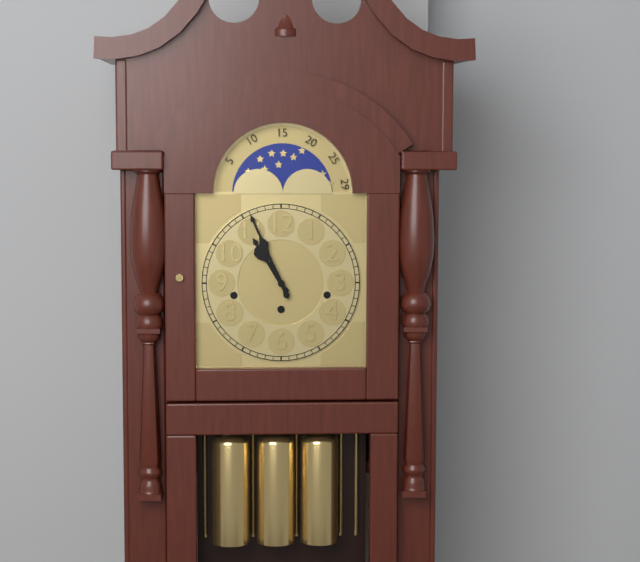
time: **10:56**
